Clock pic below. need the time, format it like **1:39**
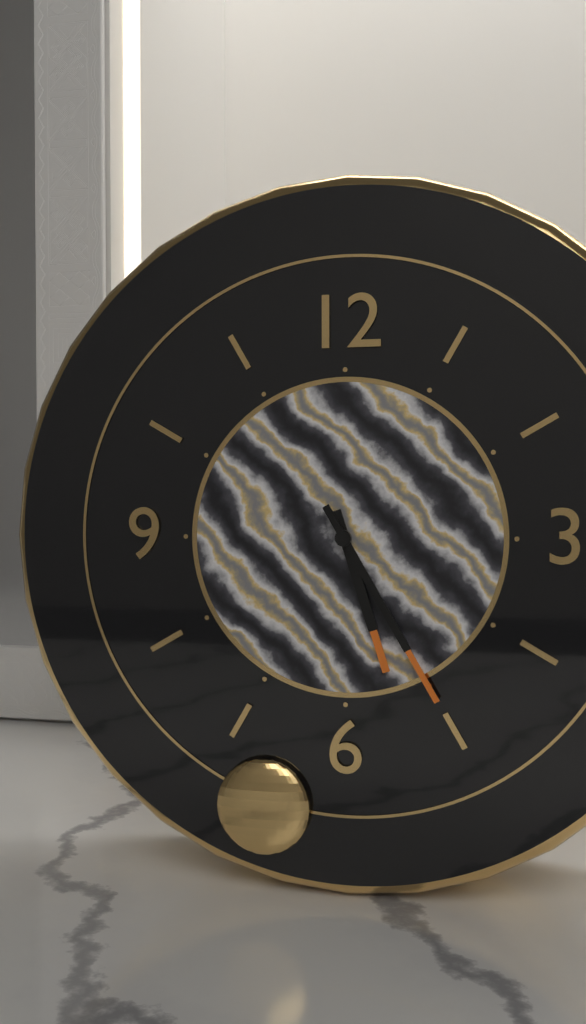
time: **5:25**
